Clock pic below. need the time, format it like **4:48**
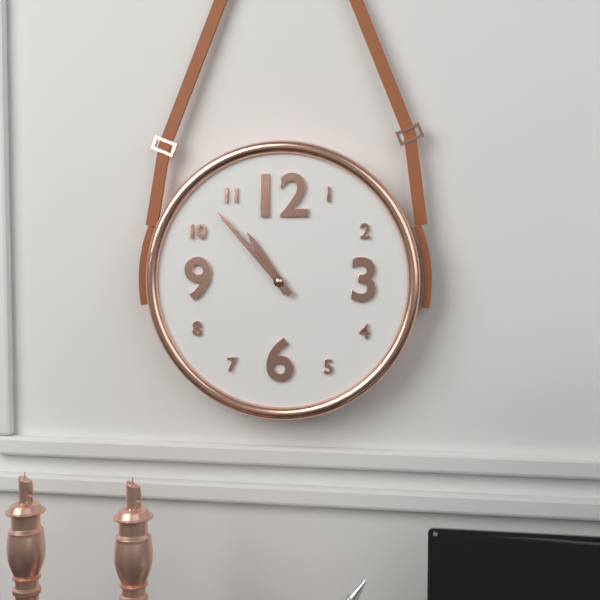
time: **10:53**
